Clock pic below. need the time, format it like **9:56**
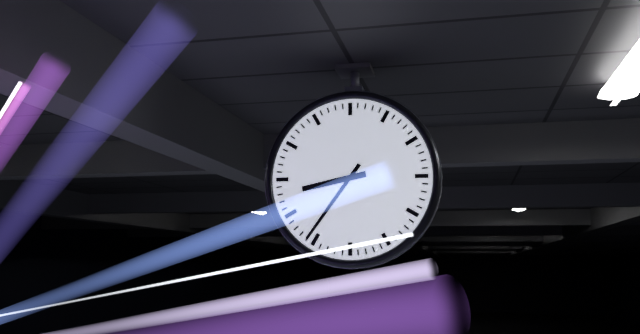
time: **8:36**
